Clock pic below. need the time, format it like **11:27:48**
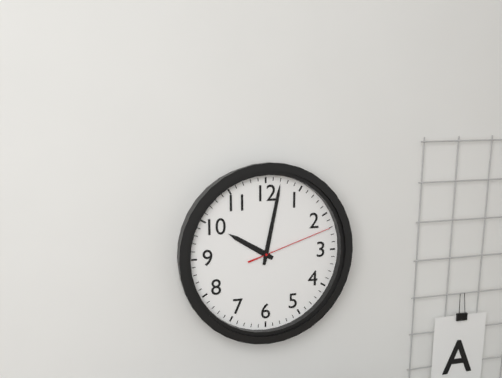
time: **10:02:12**
